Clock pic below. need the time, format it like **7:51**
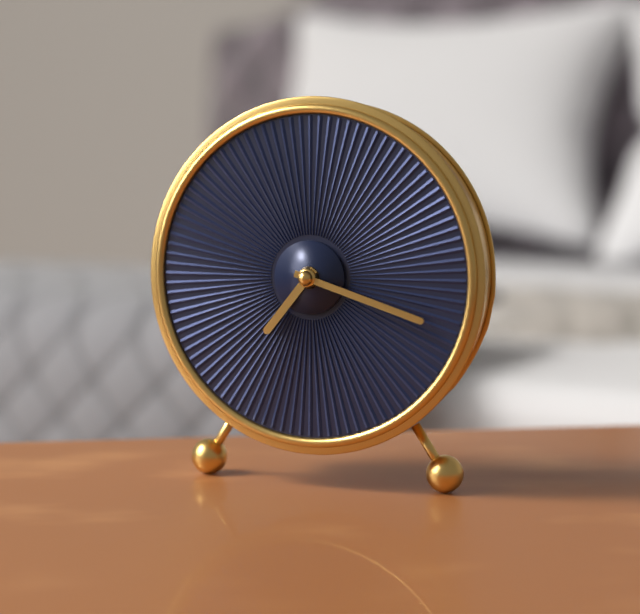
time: **7:18**
